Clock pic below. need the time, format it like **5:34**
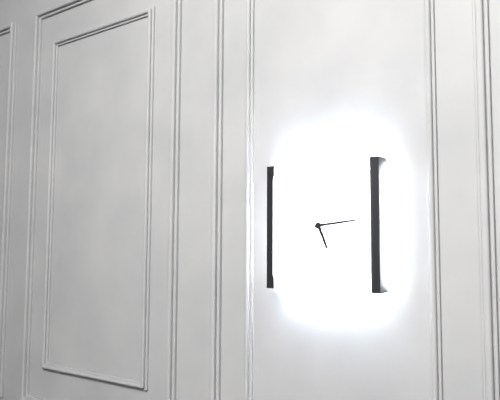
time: **5:14**
